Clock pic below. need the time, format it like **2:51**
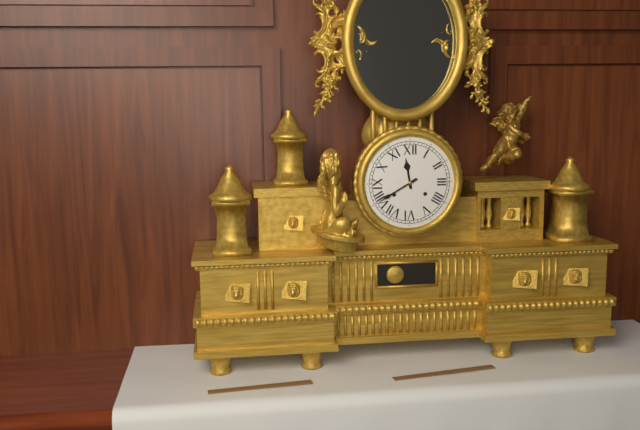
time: **11:40**
